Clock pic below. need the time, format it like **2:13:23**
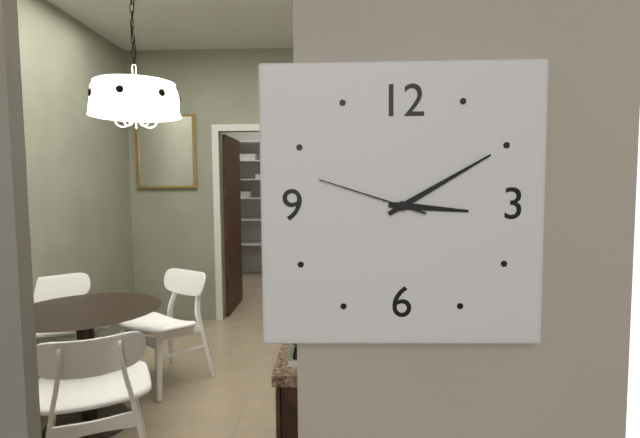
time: **3:10:48**
